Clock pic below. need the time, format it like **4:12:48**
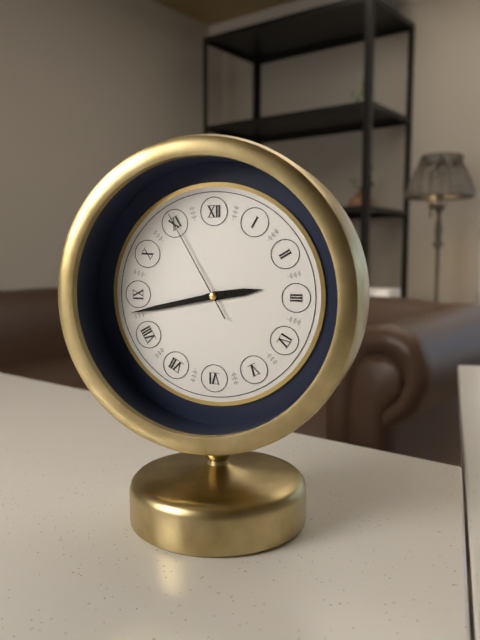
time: **2:43:55**
